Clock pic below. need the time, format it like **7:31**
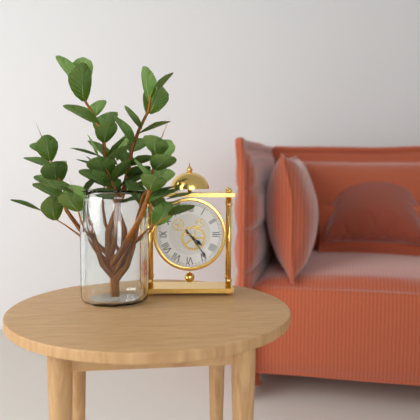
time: **4:24**
